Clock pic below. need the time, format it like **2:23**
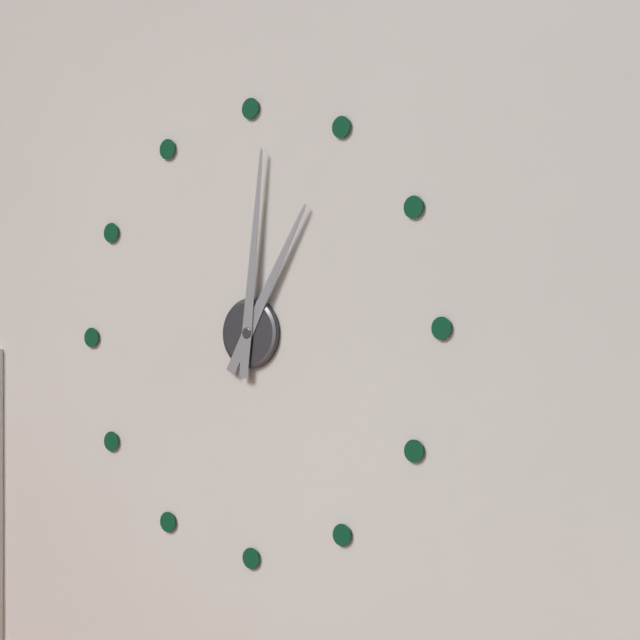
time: **1:01**
